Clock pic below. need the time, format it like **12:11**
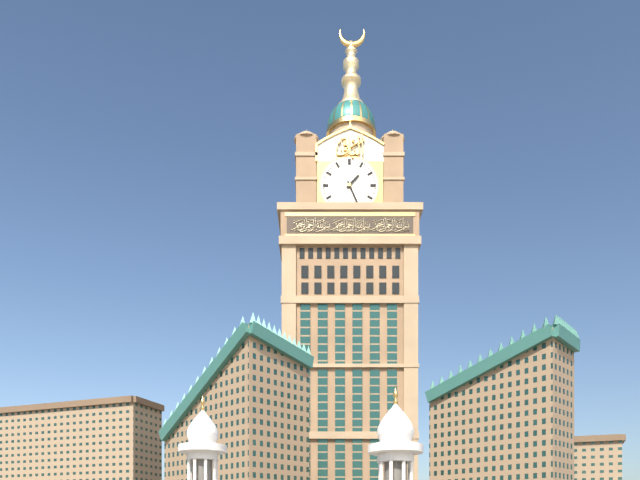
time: **1:26**
